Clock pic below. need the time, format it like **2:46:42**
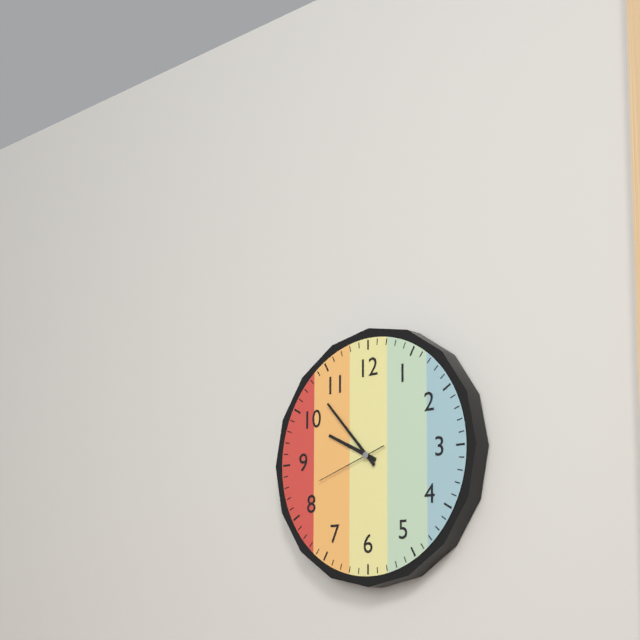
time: **9:53:42**
